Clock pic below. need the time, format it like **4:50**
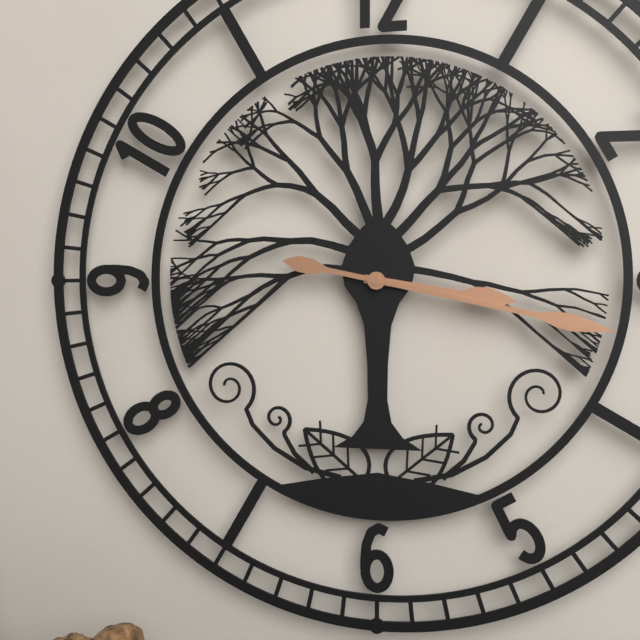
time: **3:17**
